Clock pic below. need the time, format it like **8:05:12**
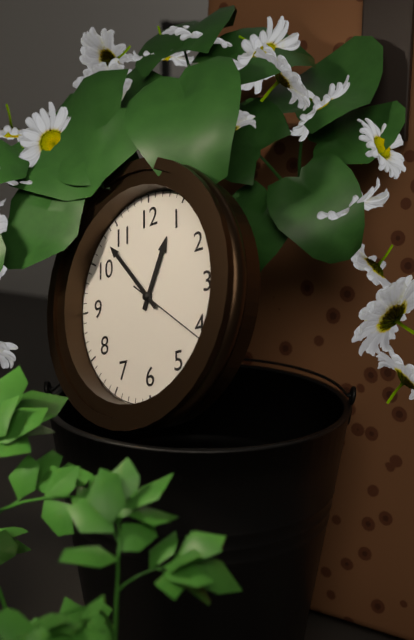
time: **12:53:21**
